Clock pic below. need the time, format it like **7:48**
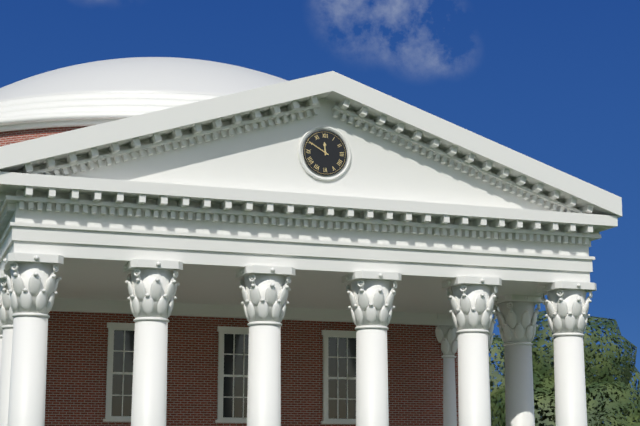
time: **11:50**
